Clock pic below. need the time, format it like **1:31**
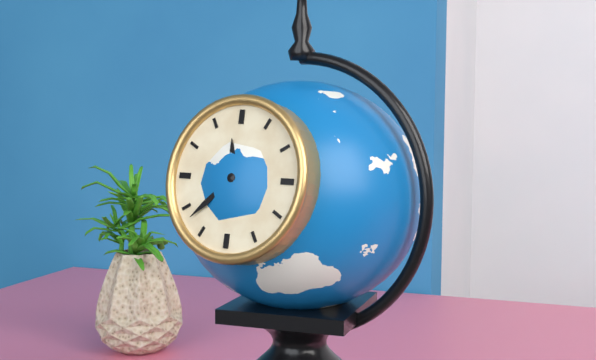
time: **11:38**
